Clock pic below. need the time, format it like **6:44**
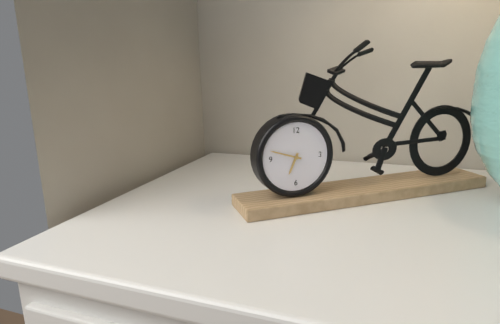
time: **6:48**
